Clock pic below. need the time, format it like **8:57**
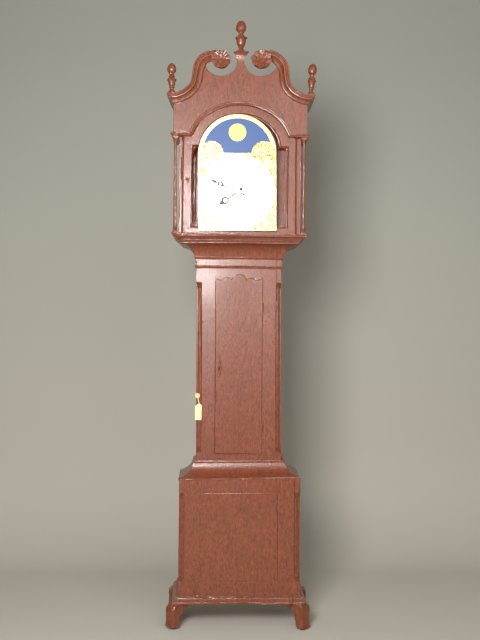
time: **7:49**
